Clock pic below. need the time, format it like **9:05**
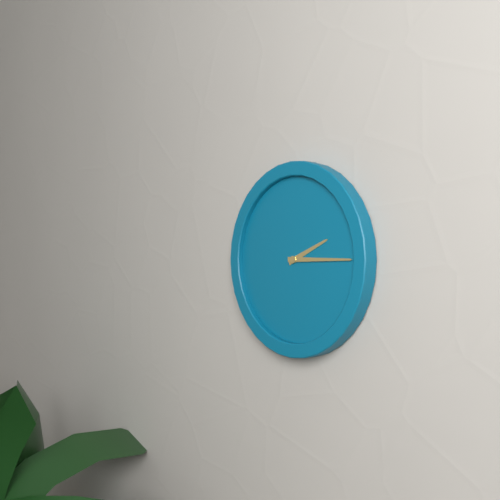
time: **2:15**
